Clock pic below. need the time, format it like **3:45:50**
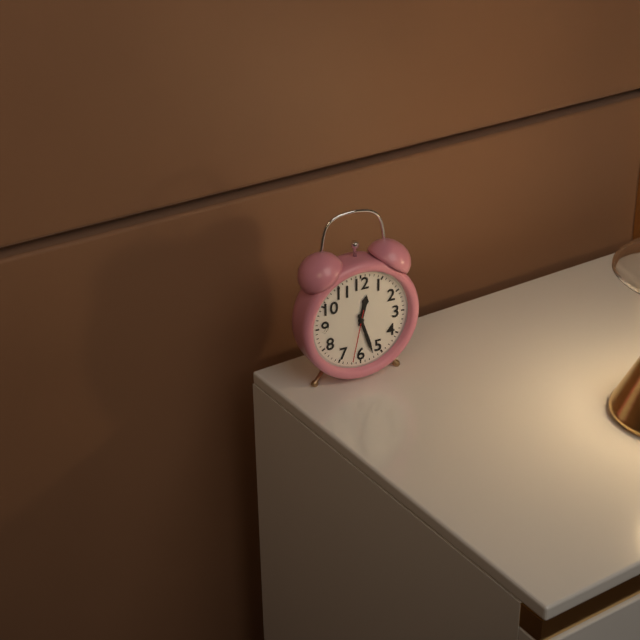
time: **12:27:32**
